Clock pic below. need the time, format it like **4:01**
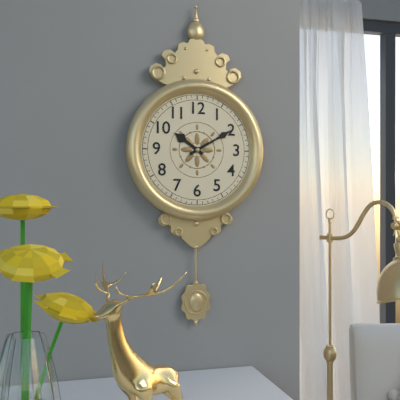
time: **10:10**
